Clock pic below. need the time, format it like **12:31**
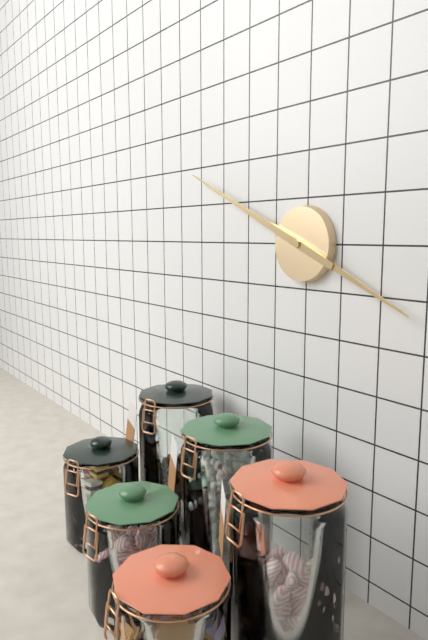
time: **3:49**
